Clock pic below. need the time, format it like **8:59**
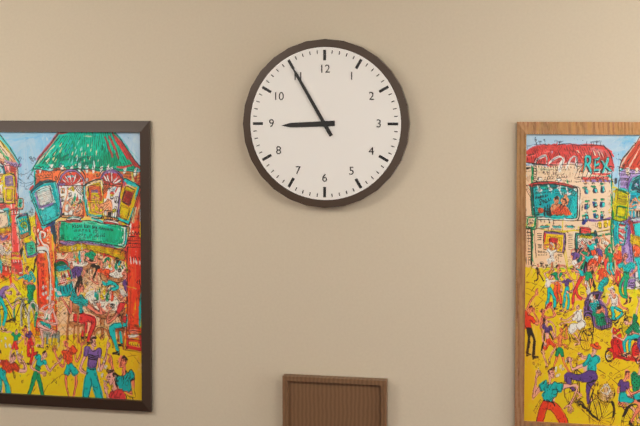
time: **8:55**
